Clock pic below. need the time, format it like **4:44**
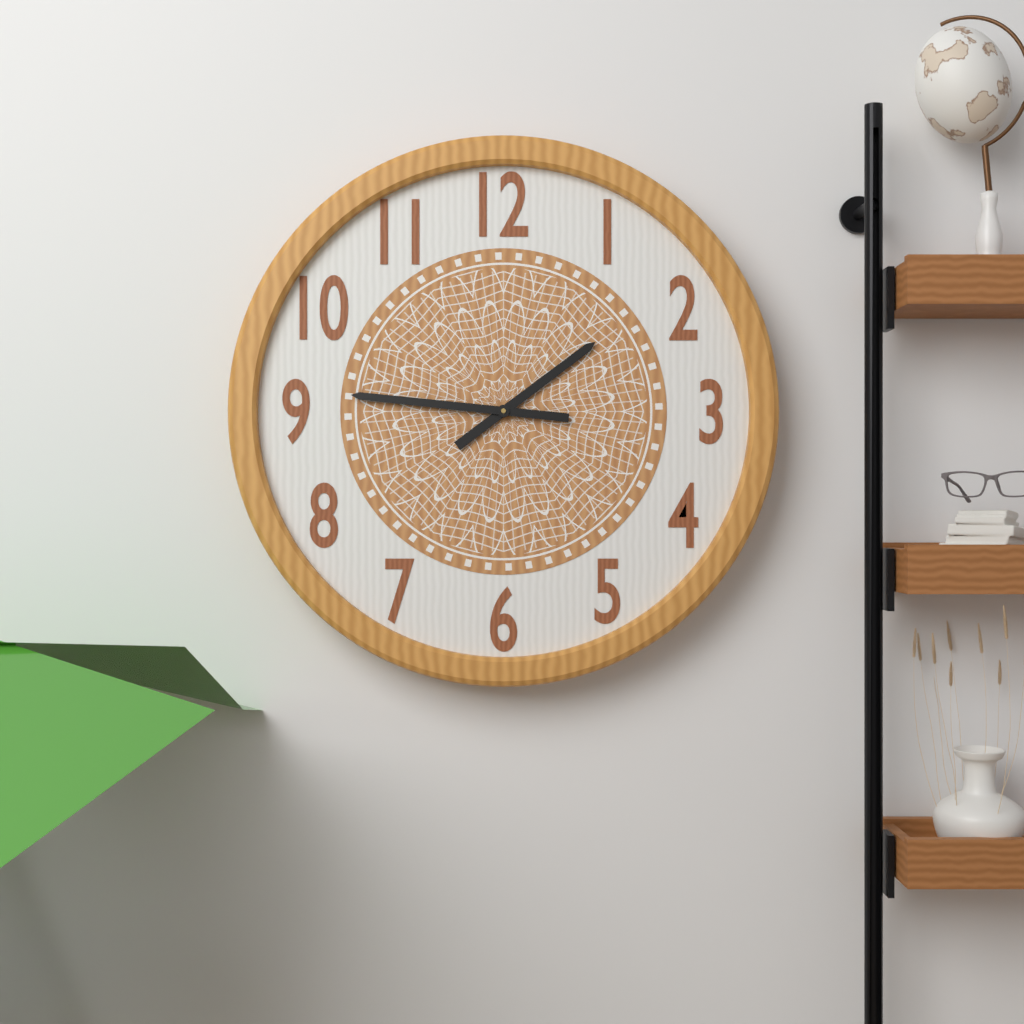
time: **1:46**
